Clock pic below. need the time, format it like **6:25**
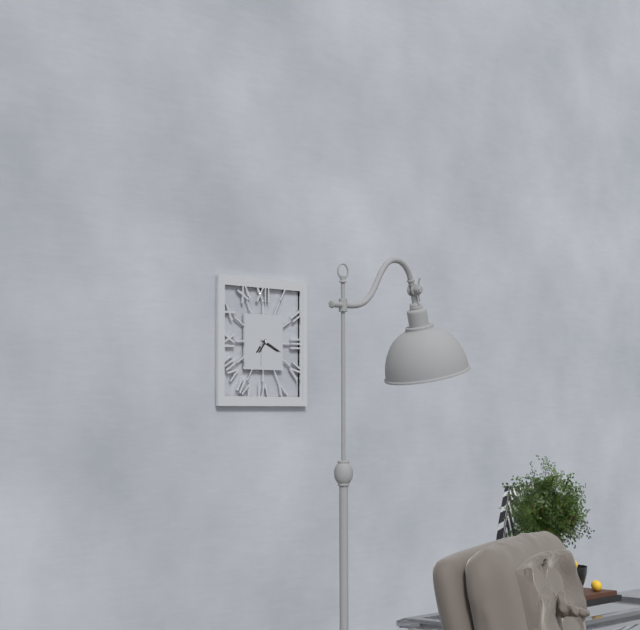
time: **7:19**
